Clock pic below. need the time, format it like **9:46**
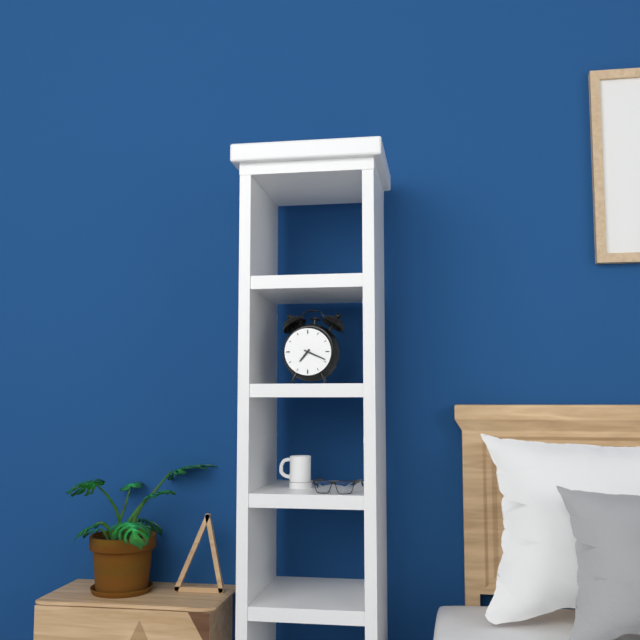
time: **7:19**
